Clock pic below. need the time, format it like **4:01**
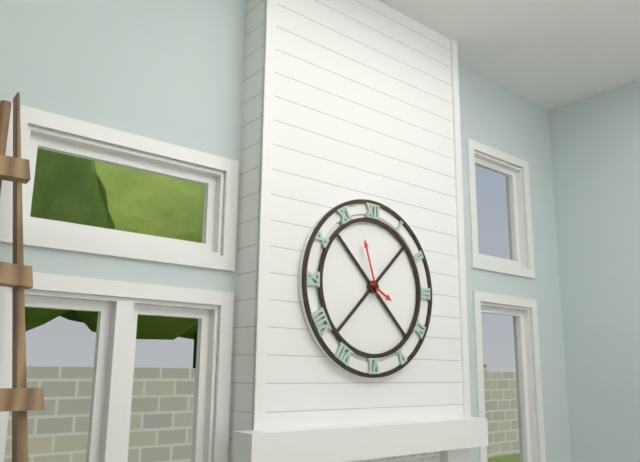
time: **3:57**
